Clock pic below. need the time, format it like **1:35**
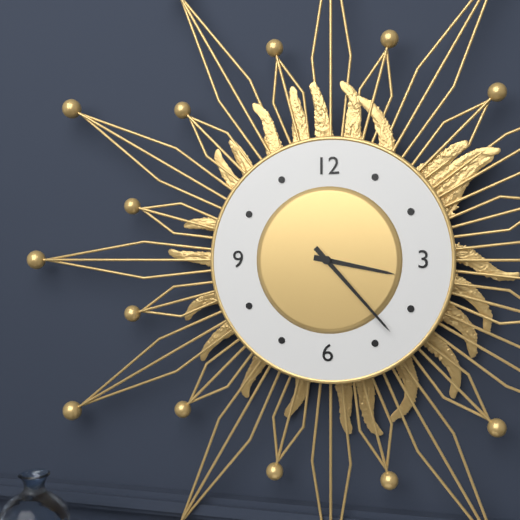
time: **3:23**
